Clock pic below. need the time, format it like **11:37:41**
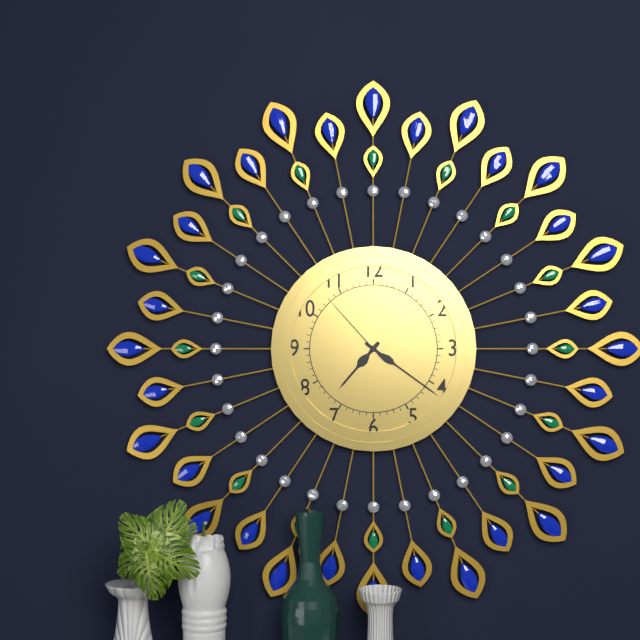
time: **7:21:53**
